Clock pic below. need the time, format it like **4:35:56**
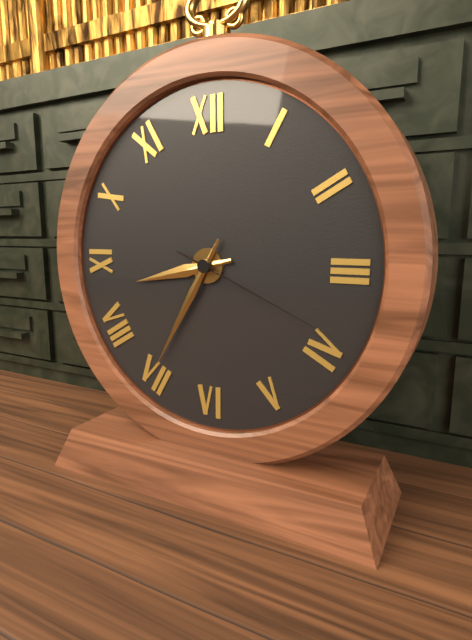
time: **8:35:19**
